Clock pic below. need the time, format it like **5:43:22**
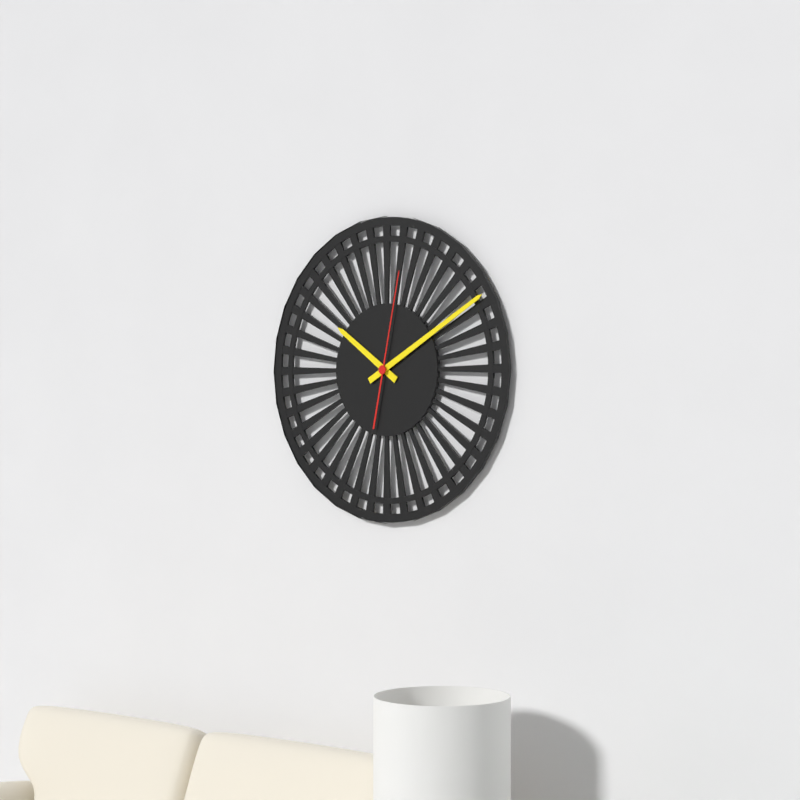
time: **10:10:02**
